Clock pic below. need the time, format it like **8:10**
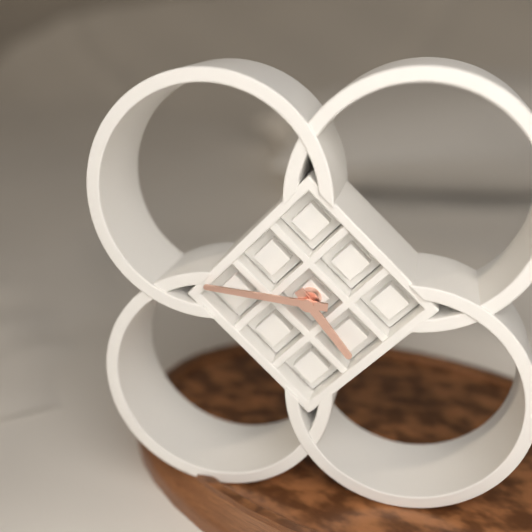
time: **4:46**
